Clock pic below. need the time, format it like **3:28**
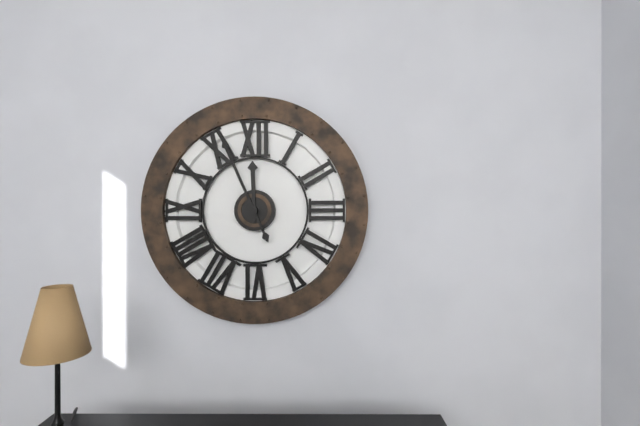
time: **11:56**
